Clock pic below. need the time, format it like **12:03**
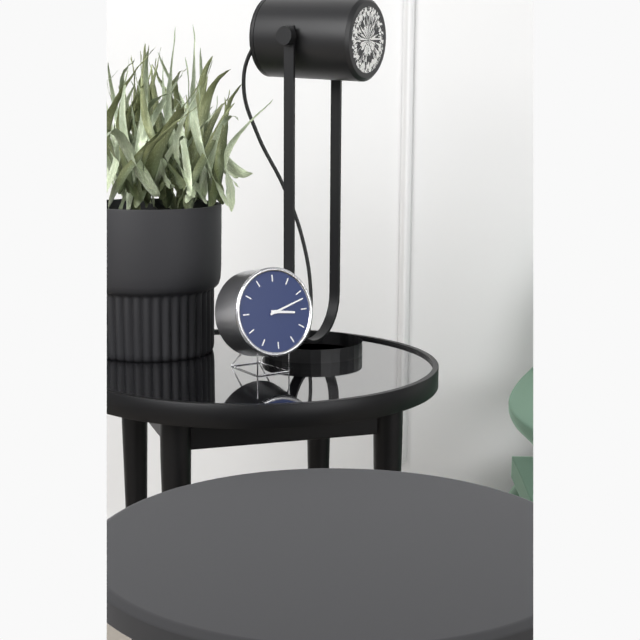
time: **3:12**
